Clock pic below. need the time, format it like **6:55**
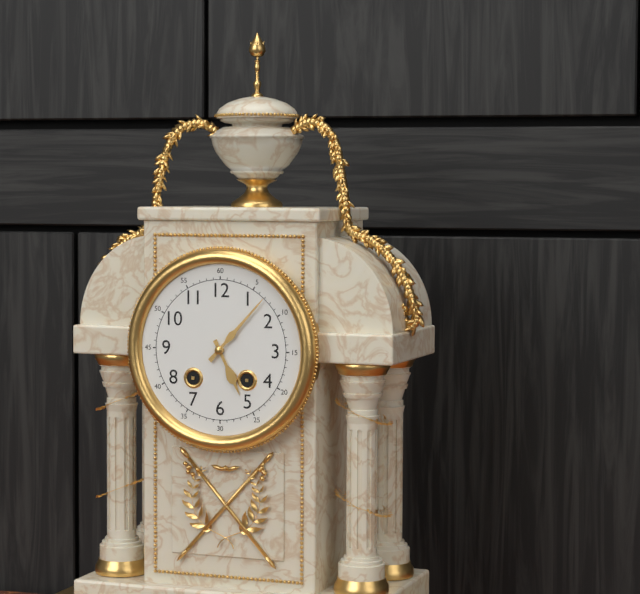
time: **5:07**
